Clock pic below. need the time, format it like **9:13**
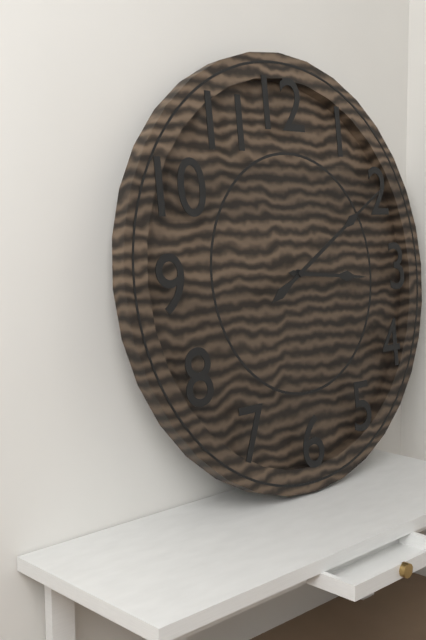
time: **3:10**
